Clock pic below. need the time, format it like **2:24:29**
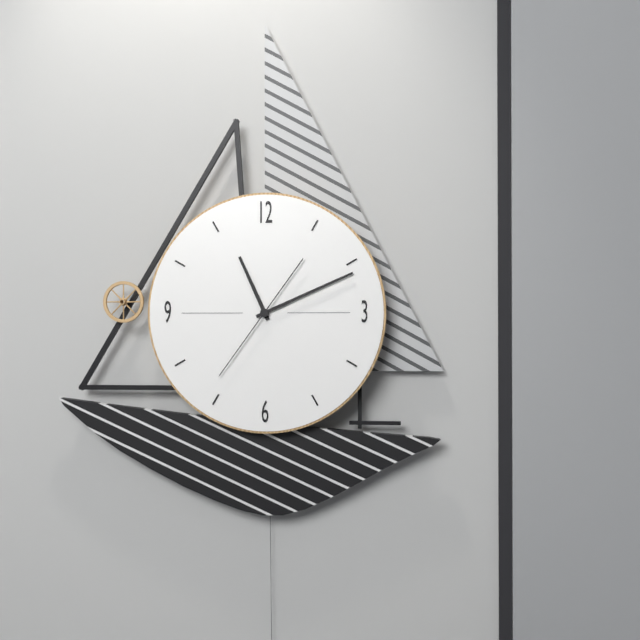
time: **11:11:36**
